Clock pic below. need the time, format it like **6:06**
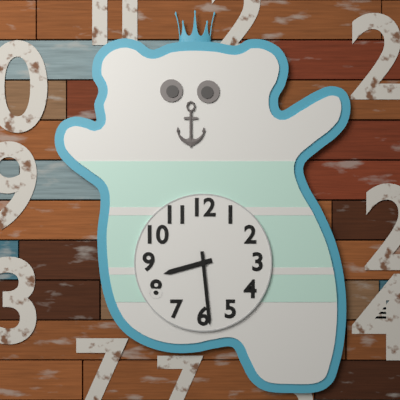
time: **8:29**
